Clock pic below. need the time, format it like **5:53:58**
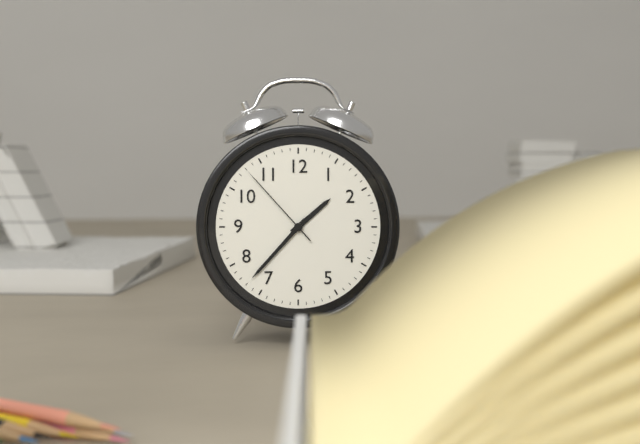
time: **1:37:53**
